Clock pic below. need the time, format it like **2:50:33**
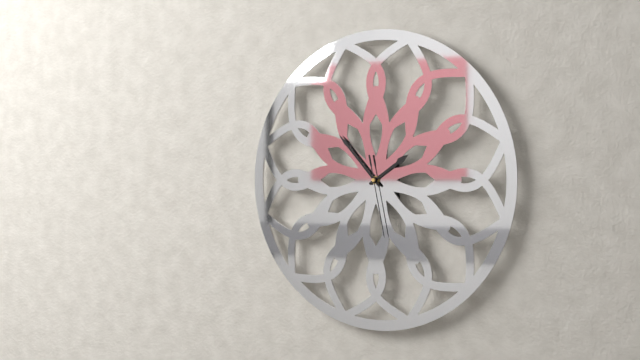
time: **1:53:28**
